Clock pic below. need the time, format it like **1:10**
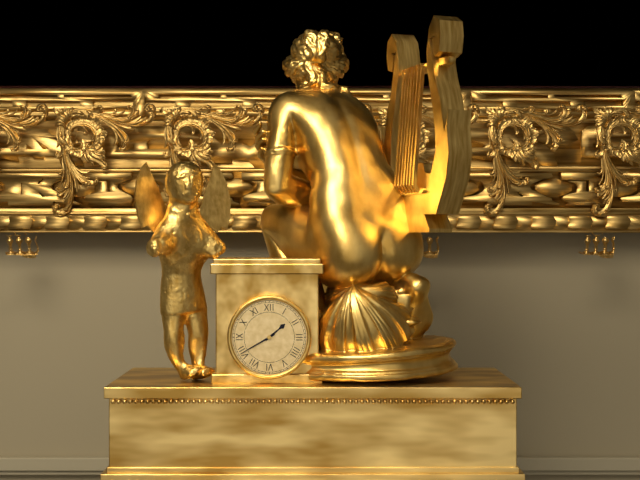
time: **1:40**
